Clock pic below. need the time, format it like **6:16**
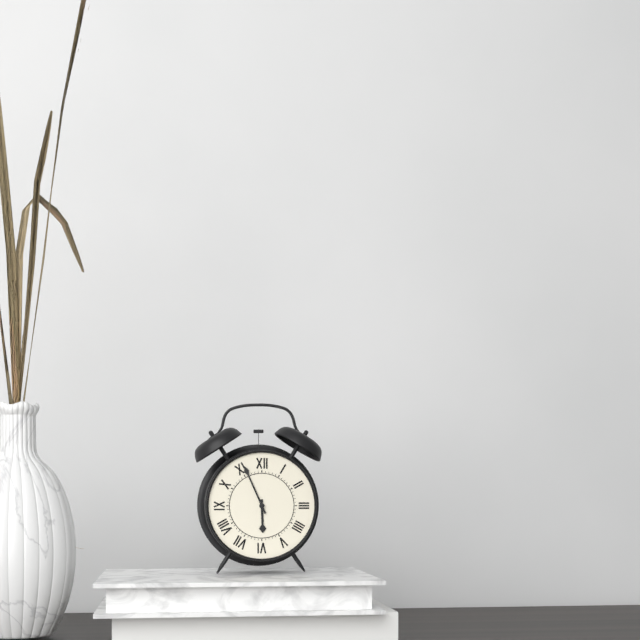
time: **5:56**
